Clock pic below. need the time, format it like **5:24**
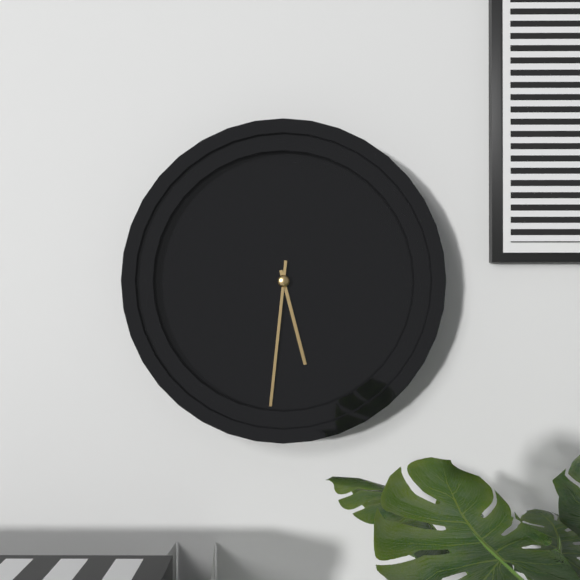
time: **5:31**
